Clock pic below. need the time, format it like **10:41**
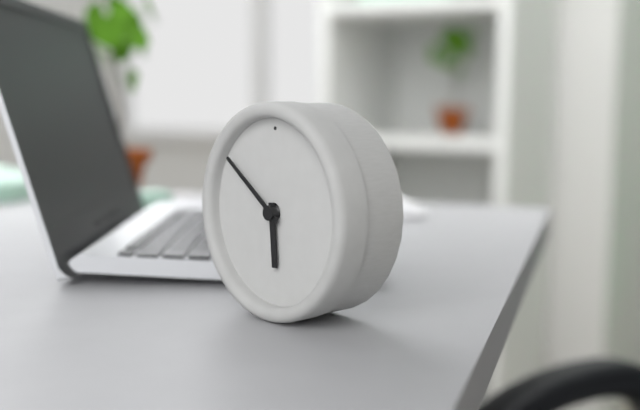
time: **5:51**
